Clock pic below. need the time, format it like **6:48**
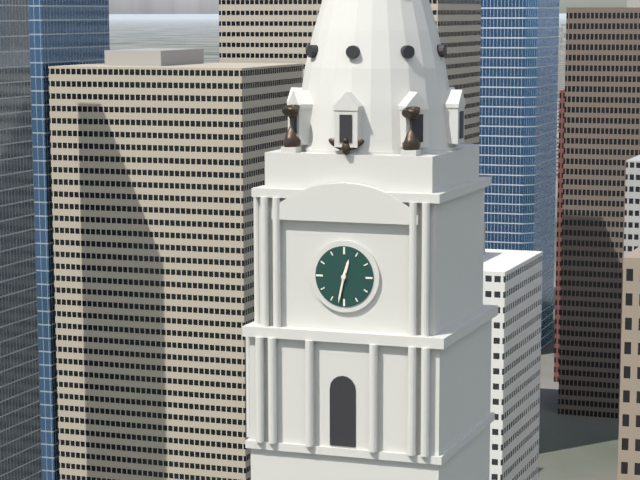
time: **12:32**
